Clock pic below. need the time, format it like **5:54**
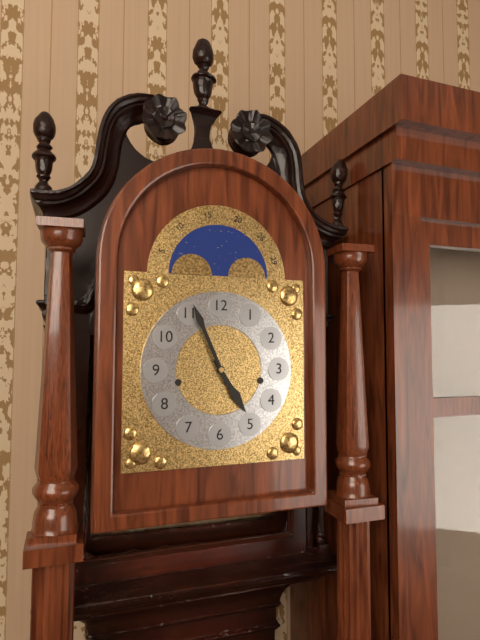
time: **4:56**
